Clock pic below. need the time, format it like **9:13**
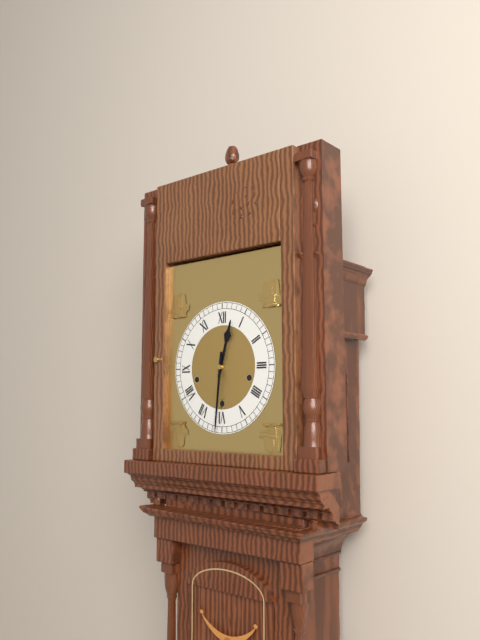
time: **12:31**
